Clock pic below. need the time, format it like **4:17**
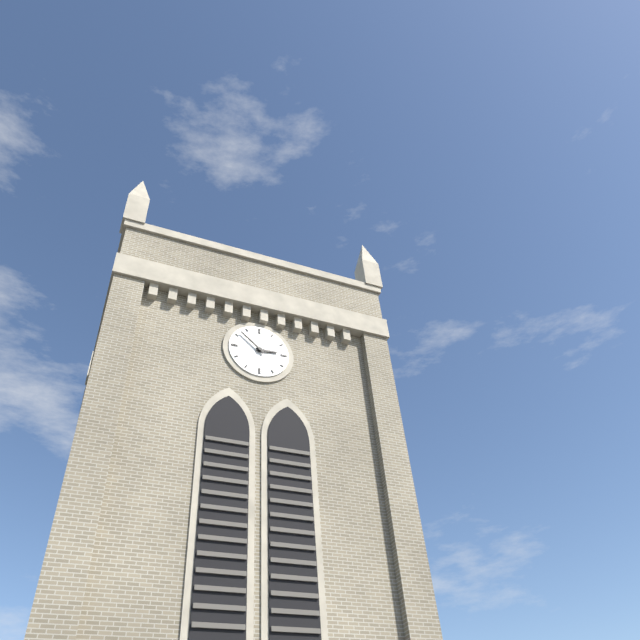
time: **2:52**
